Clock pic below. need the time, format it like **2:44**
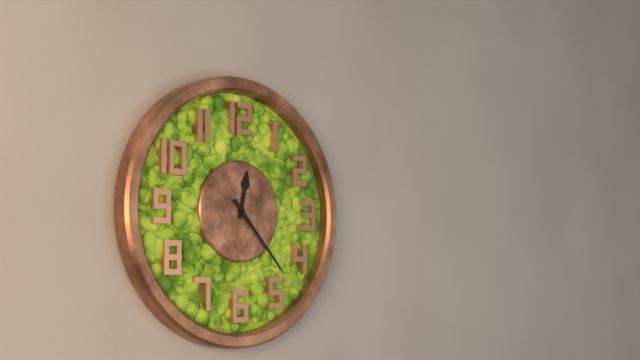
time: **12:23**
